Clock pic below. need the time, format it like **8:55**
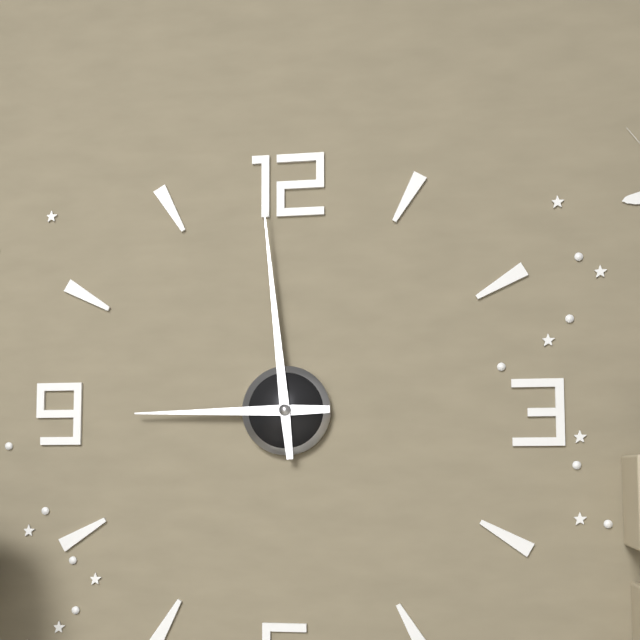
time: **8:59**
